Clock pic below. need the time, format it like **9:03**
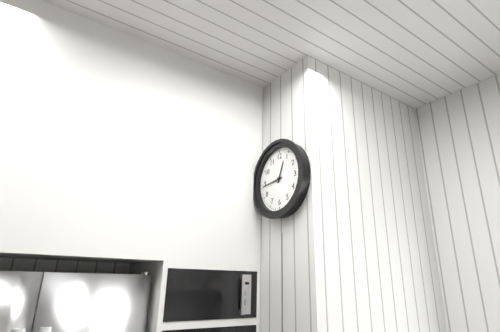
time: **12:44**
